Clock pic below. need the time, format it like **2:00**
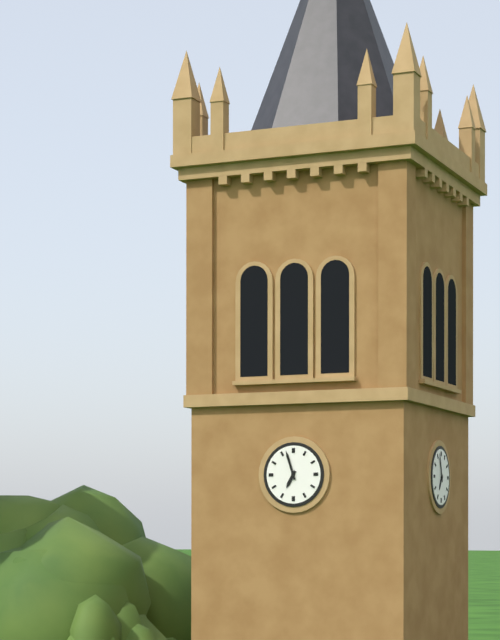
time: **6:57**
